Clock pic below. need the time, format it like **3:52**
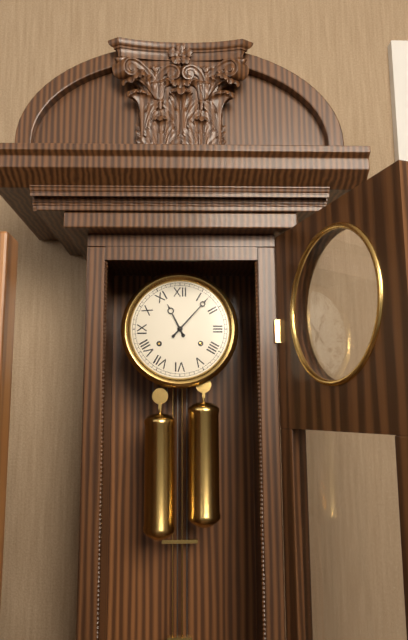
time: **11:07**
